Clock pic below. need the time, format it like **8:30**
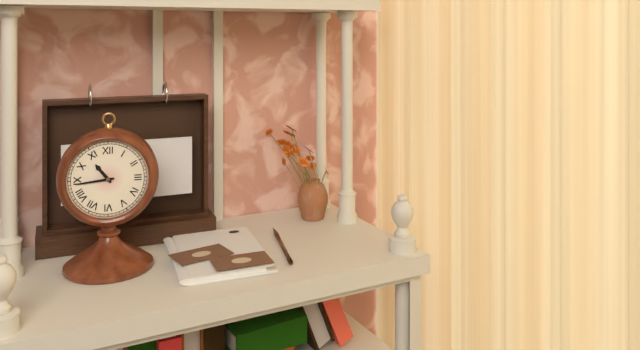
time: **10:44**
